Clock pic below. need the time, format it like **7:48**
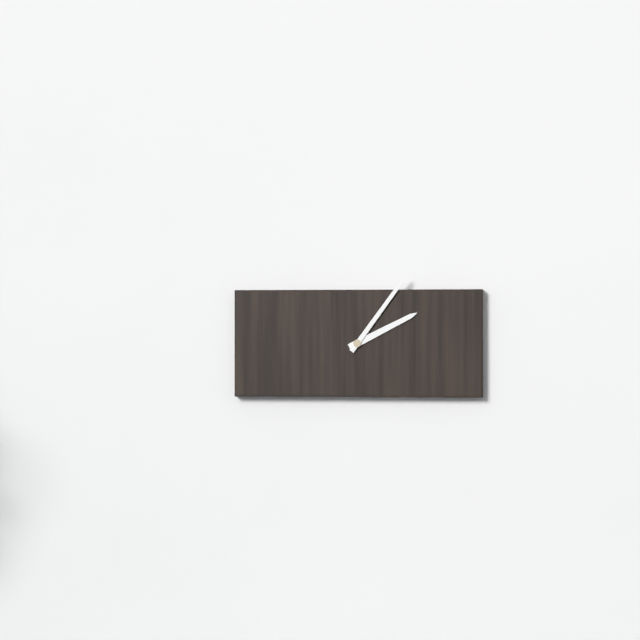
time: **2:06**
